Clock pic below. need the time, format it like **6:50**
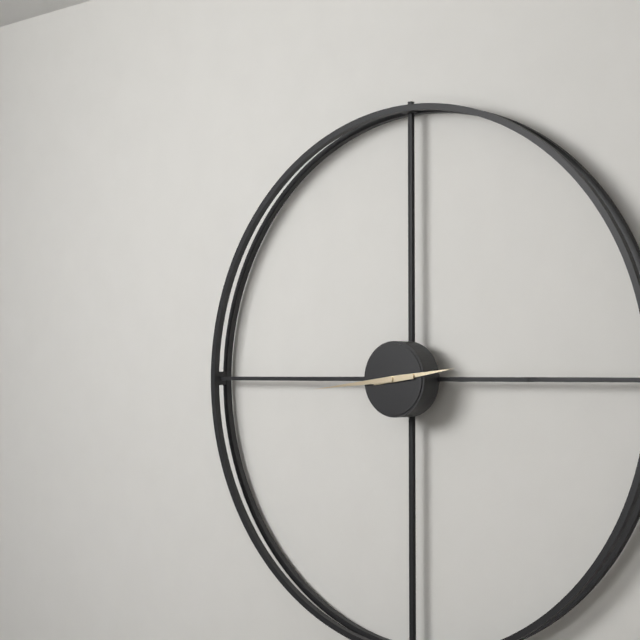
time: **2:44**
